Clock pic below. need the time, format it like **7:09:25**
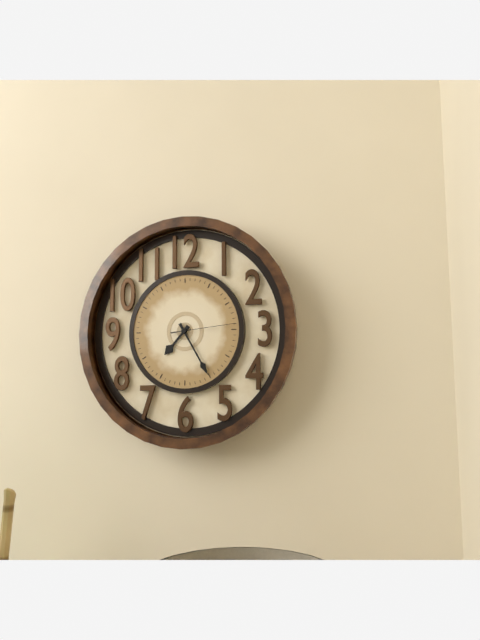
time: **7:25:14**
